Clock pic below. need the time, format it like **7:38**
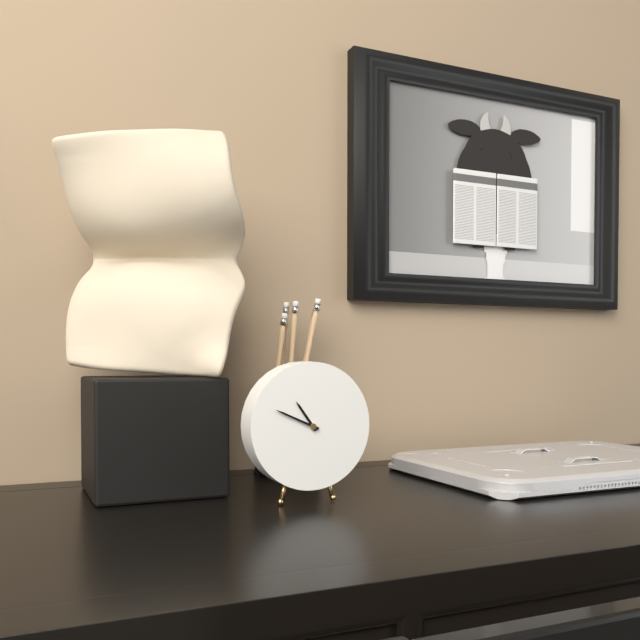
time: **10:49**
